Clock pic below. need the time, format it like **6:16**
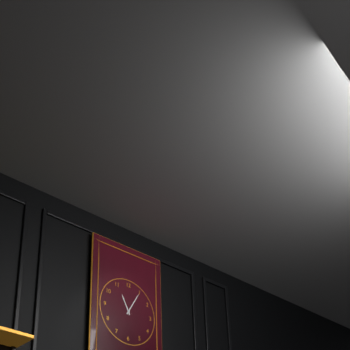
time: **11:05**
